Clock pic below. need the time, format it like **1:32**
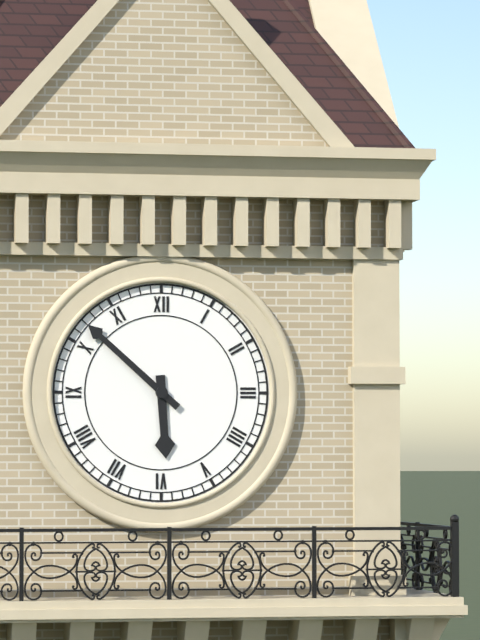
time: **5:52**
